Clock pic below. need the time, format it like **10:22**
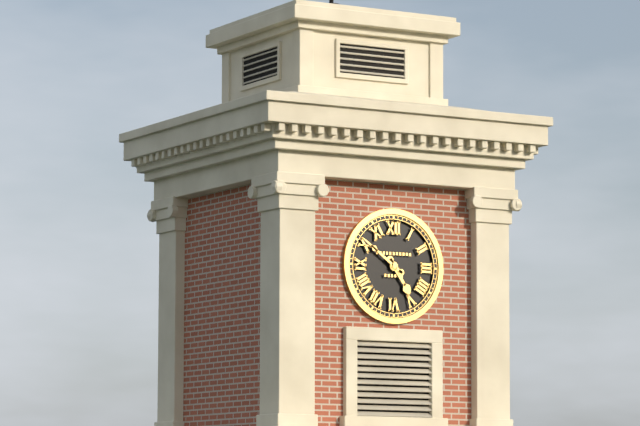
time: **4:51**
